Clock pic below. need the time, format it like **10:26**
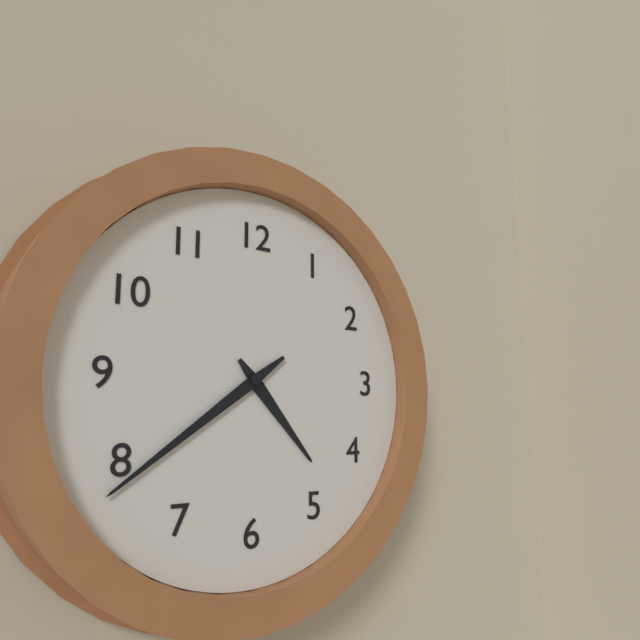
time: **4:39**
